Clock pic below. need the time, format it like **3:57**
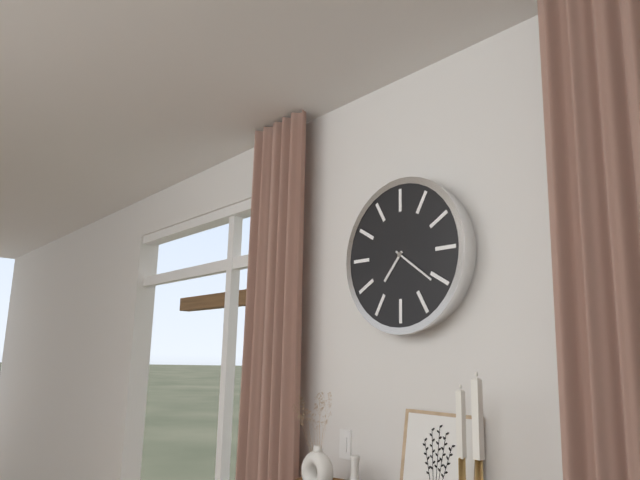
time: **7:21**
